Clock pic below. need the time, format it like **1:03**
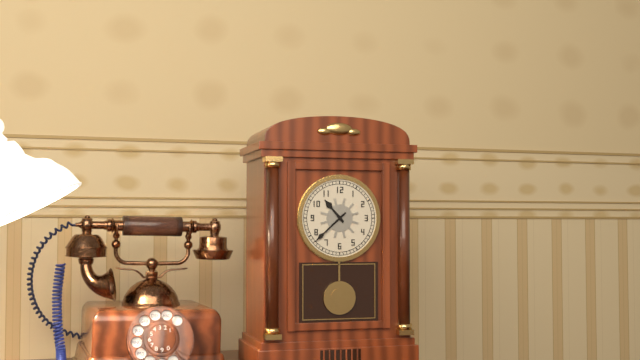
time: **10:38**
